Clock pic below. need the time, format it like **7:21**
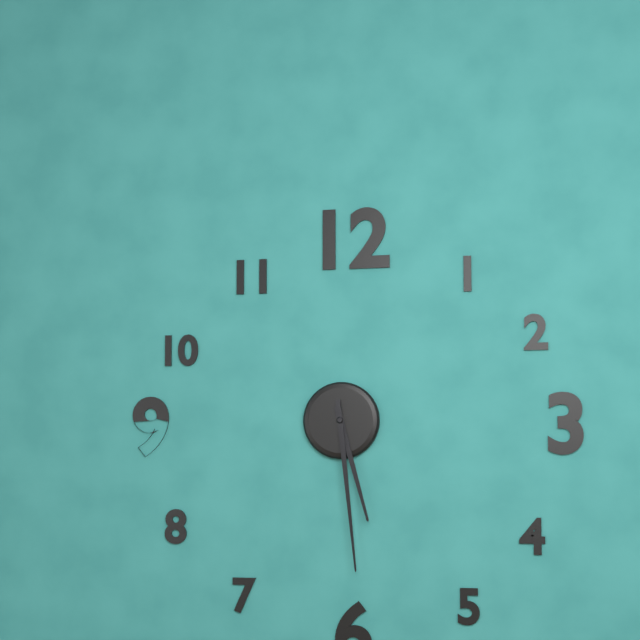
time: **5:29**
